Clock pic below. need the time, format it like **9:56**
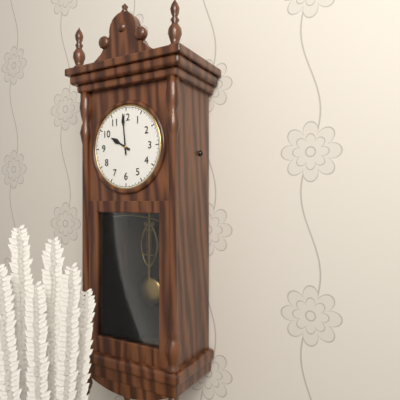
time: **9:59**
